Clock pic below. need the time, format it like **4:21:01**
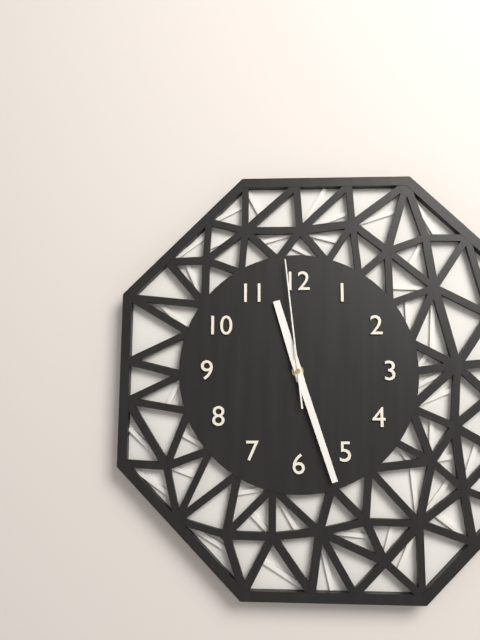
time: **11:27:59**
